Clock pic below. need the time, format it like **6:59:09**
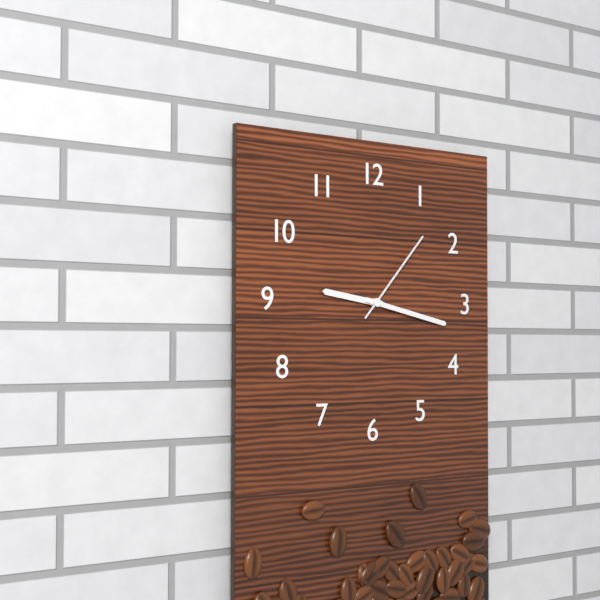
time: **9:17:07**
